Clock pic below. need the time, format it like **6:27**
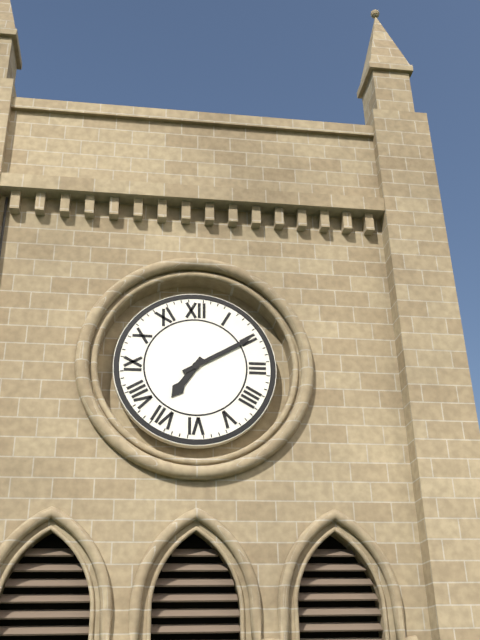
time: **7:10**
